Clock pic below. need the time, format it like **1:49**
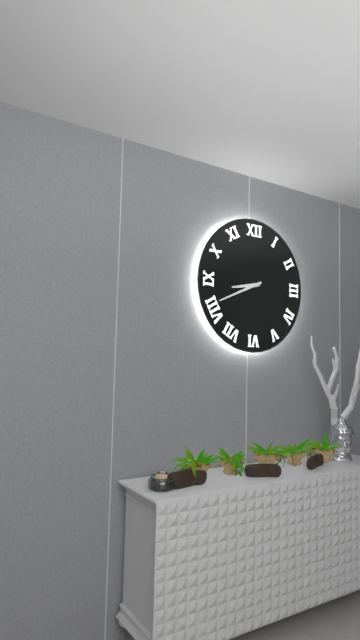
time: **8:41**
